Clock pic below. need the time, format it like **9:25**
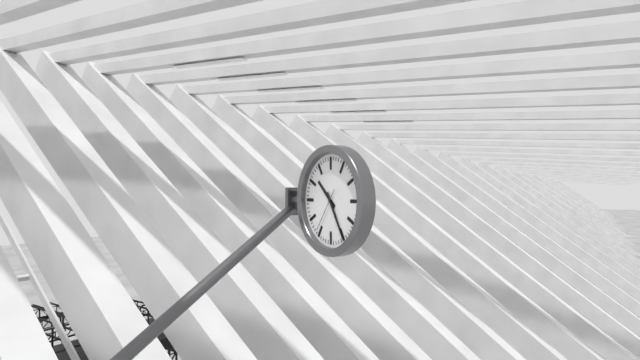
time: **10:25**
